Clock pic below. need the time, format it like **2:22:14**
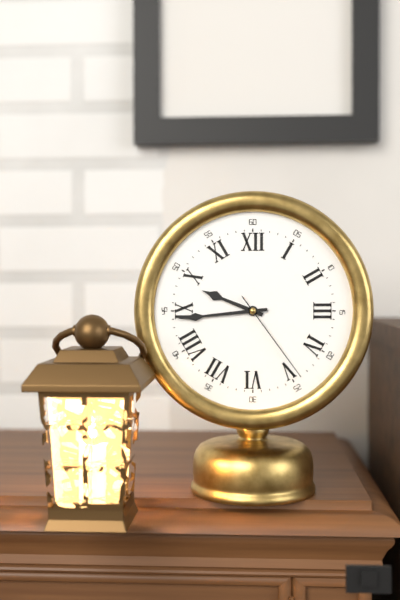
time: **9:44:24**
